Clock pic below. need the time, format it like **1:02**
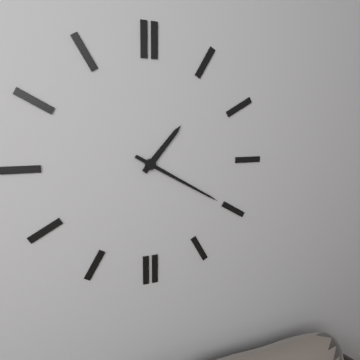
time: **1:20**
